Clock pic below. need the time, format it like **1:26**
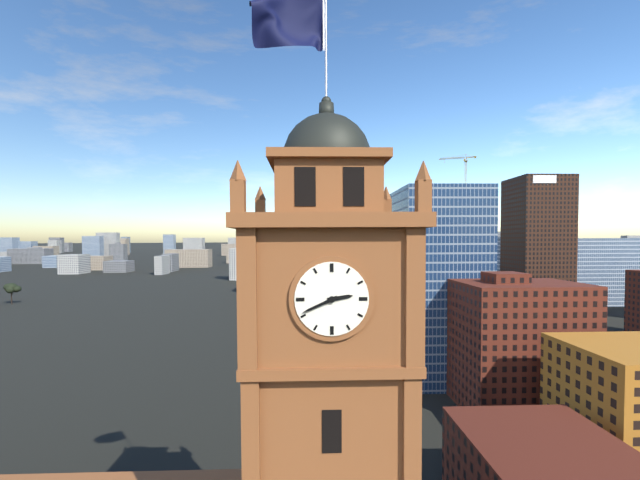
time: **2:41**
